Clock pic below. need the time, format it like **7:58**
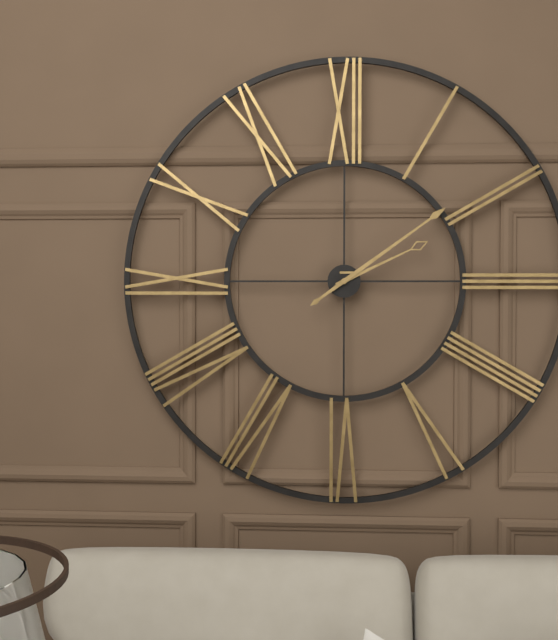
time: **2:09**
